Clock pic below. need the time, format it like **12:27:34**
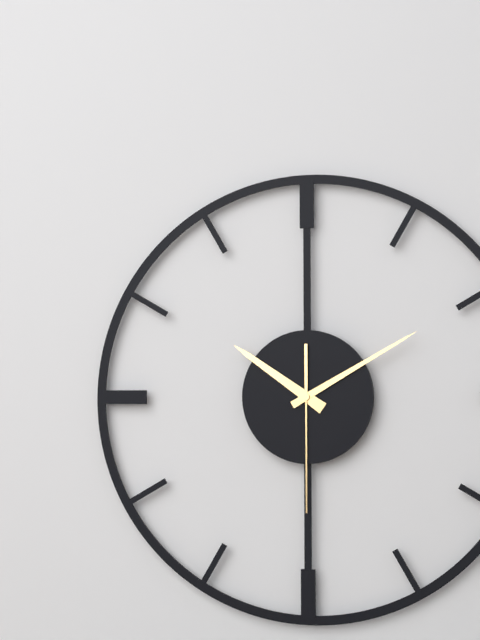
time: **10:10:30**
